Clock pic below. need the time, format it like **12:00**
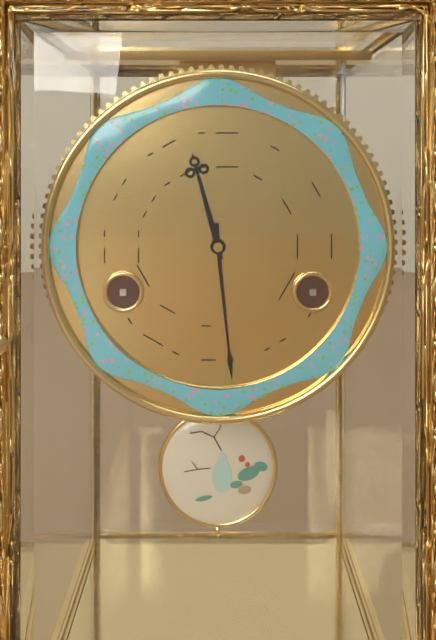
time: **11:29**
